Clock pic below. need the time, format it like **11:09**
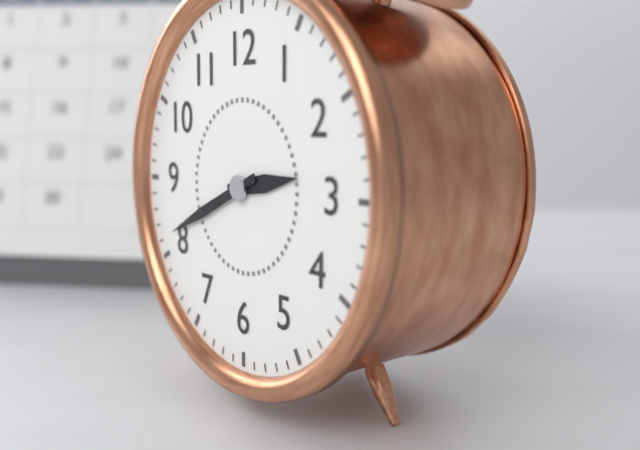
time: **2:41**
